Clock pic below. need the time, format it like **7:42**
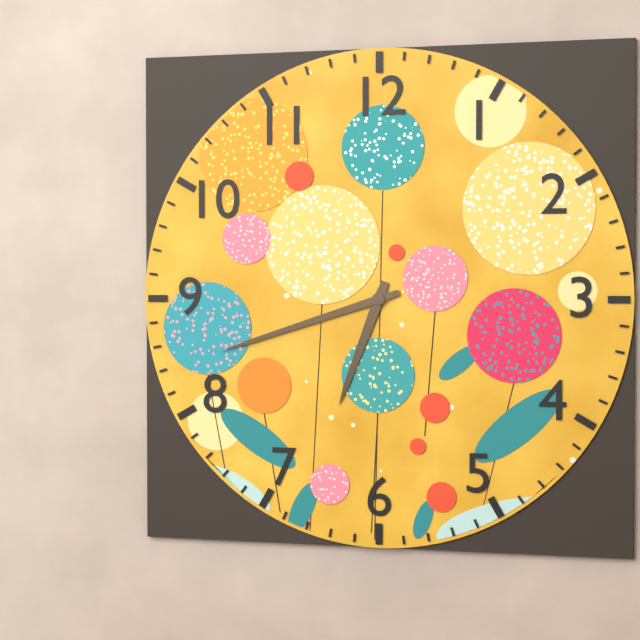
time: **6:42**
